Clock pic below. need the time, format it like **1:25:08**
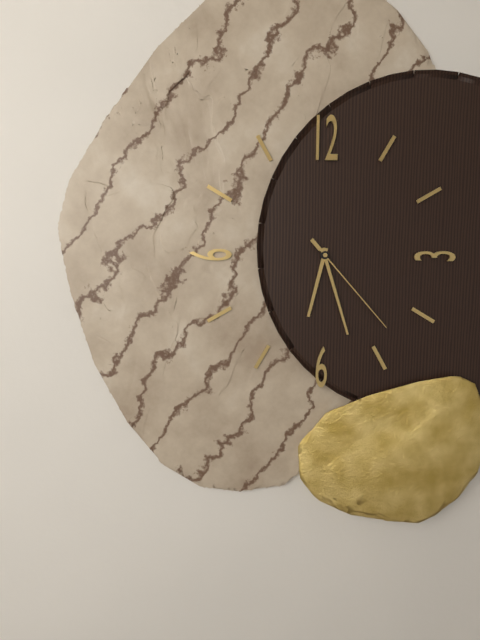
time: **6:27:23**
